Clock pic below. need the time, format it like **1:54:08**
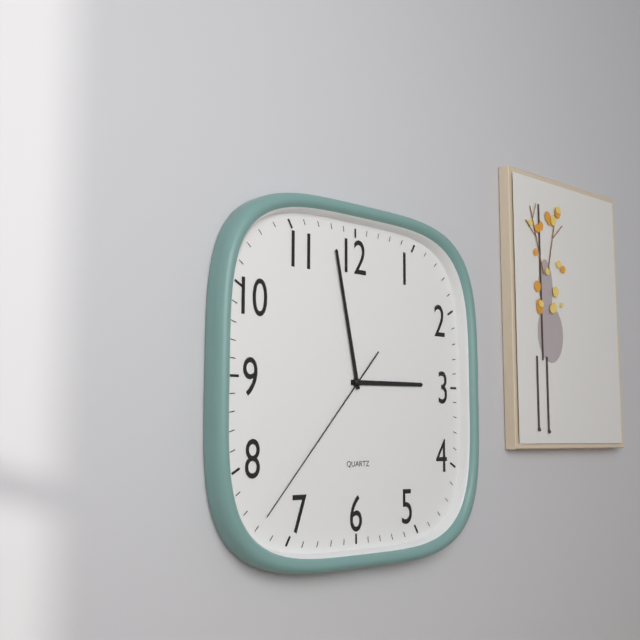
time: **2:58:37**
